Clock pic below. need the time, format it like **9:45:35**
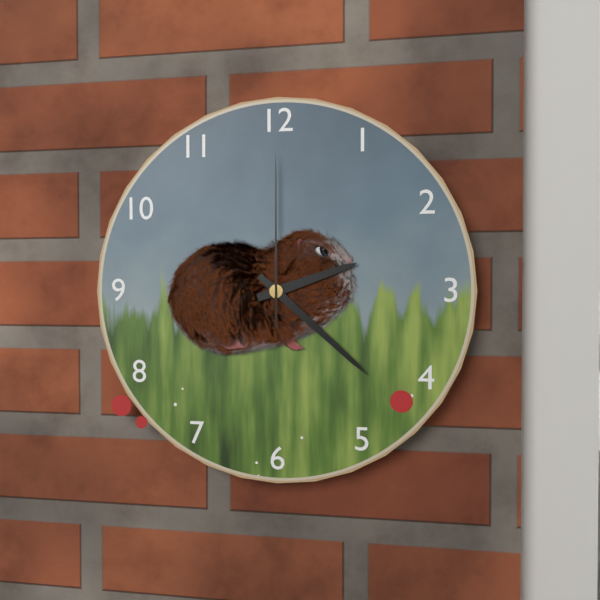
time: **2:22:00**
